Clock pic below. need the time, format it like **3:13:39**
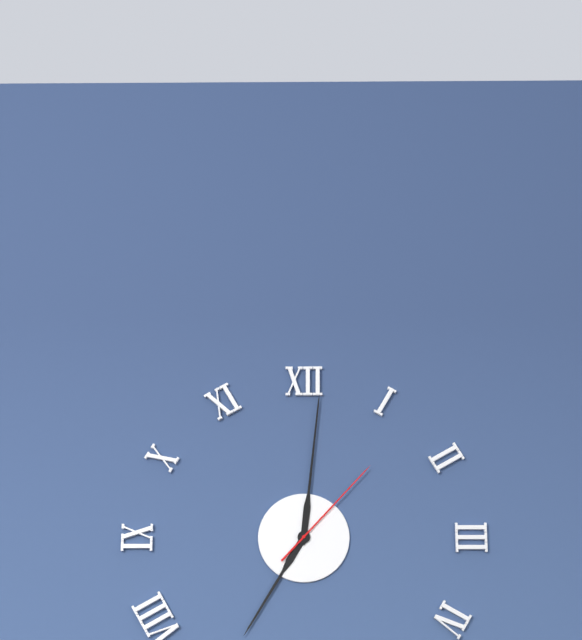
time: **7:01:07**
